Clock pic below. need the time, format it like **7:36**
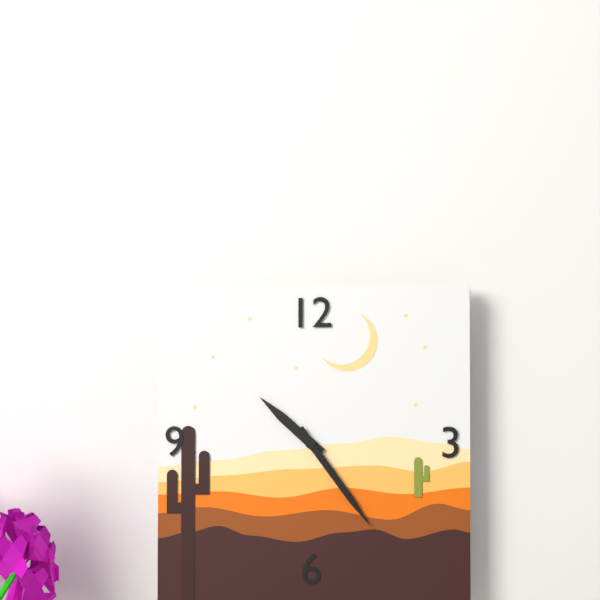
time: **10:24**
